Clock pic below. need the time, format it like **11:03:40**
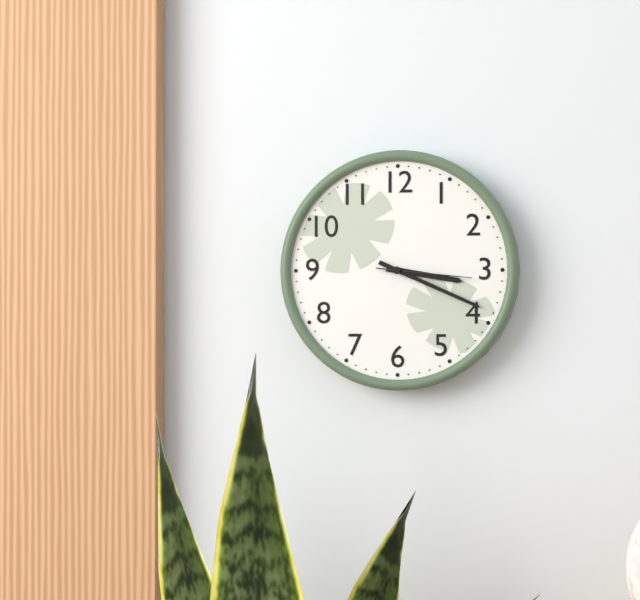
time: **3:19:16**
